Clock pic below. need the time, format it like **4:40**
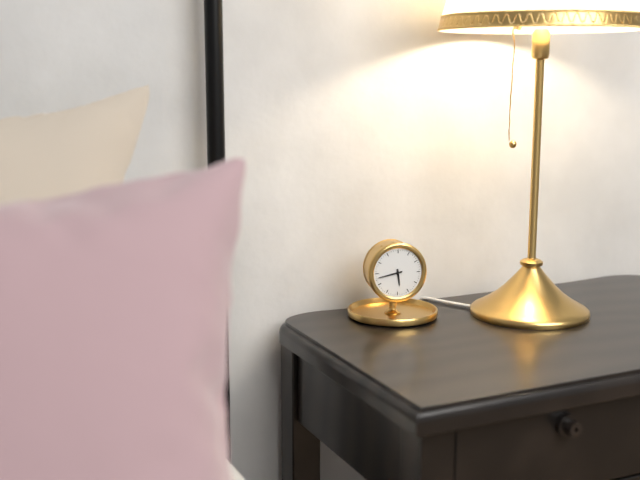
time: **5:43**
